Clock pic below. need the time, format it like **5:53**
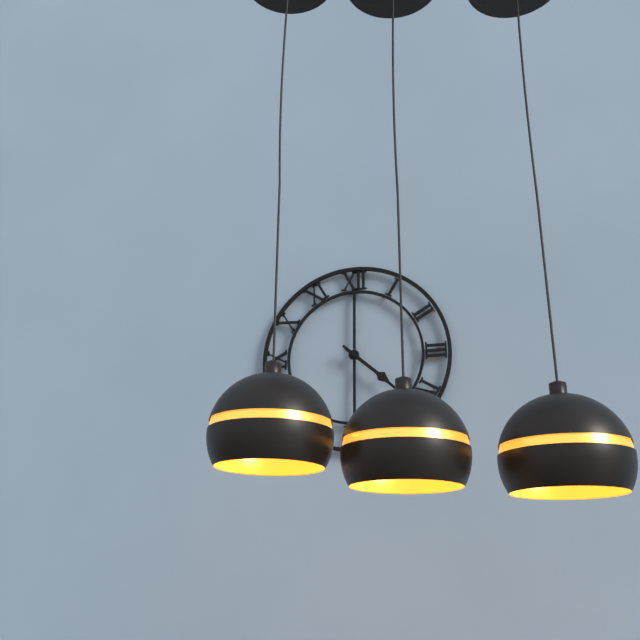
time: **4:22**
